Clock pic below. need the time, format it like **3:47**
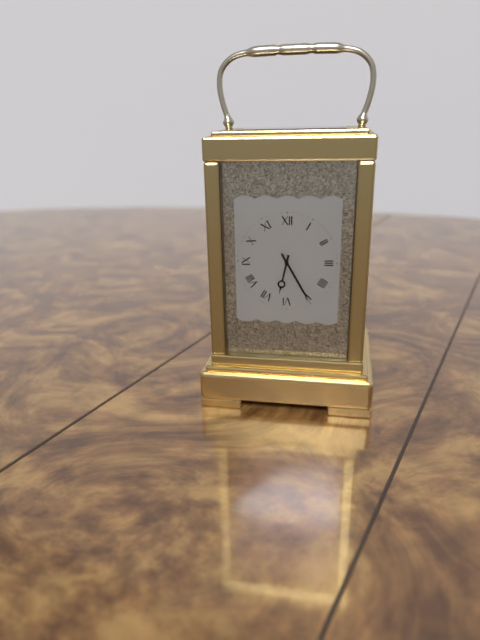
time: **6:25**
